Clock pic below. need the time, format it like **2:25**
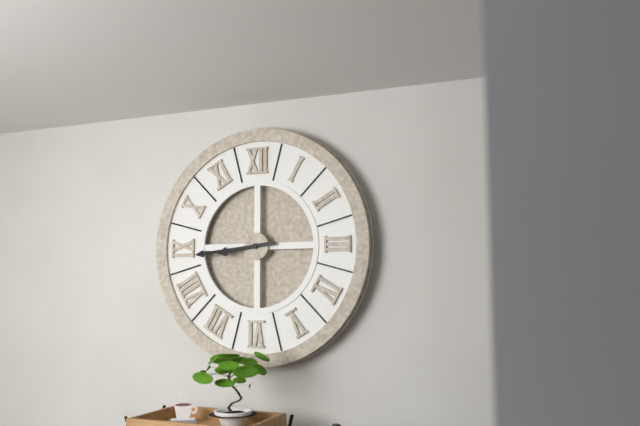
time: **8:44**
